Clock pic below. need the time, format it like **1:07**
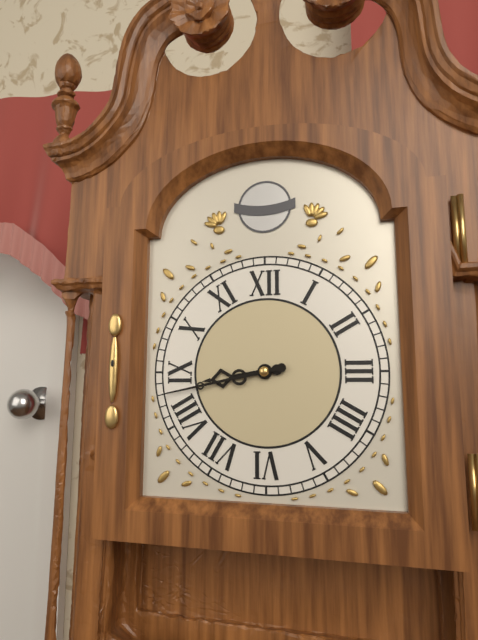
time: **8:43**
